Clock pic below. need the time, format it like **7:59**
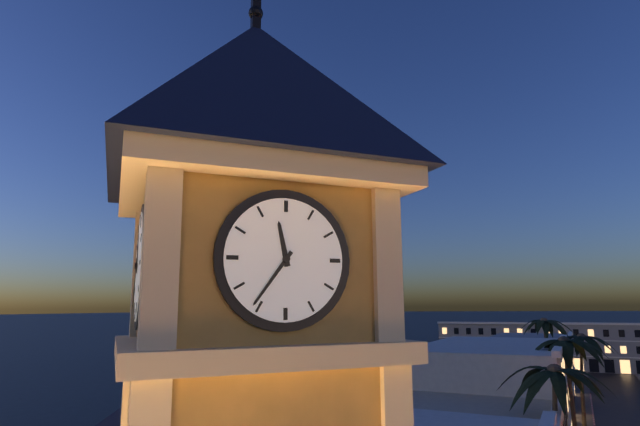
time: **11:36**
